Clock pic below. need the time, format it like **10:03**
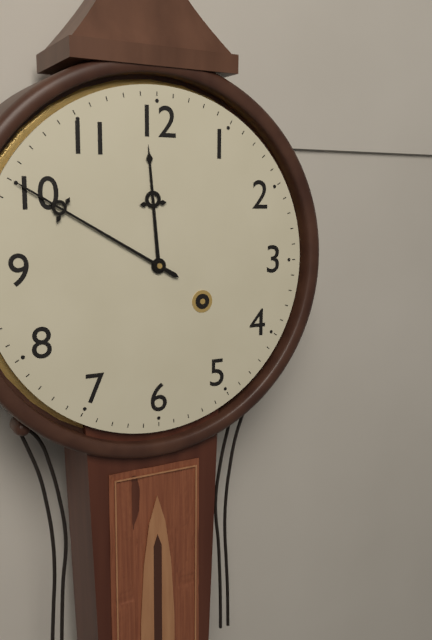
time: **11:50**
